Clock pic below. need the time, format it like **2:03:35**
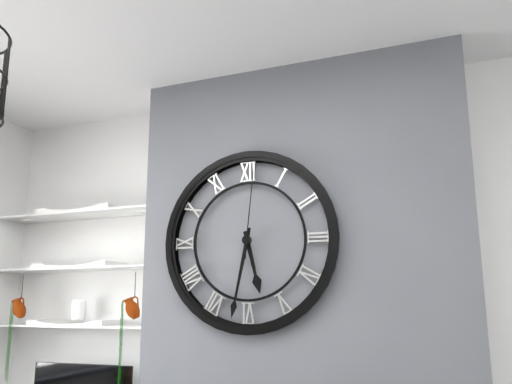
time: **5:32:01**
